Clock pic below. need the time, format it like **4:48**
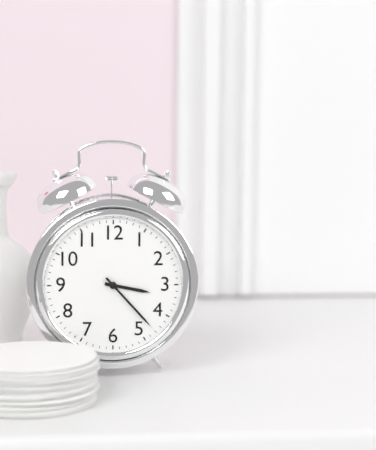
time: **3:23**
